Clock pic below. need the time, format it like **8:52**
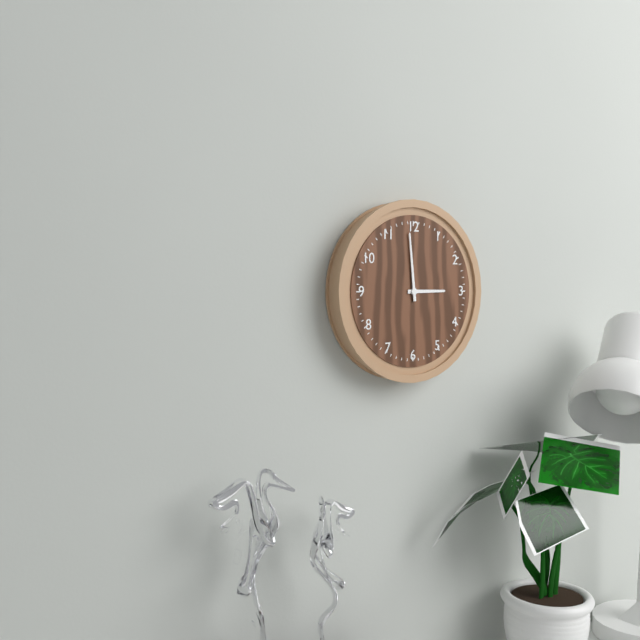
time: **2:59**
